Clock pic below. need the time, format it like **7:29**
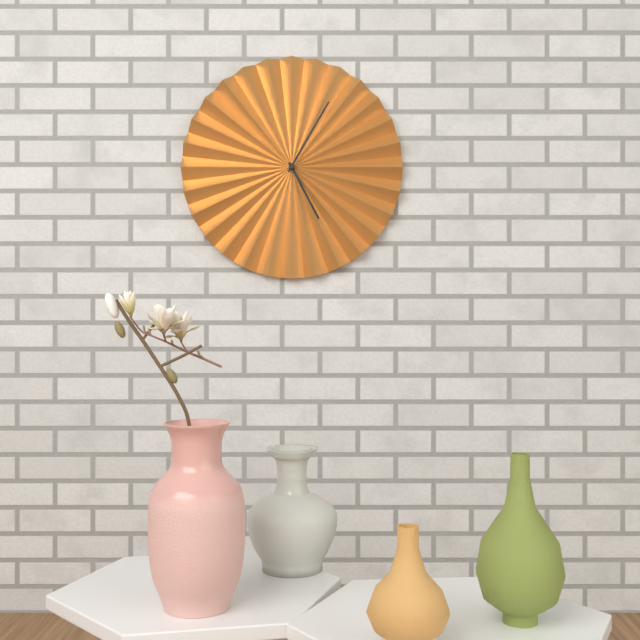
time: **5:05**
